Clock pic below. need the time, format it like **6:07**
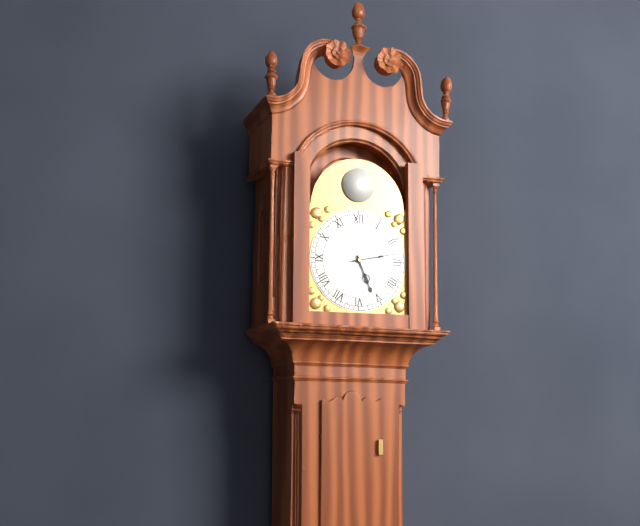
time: **5:13**
